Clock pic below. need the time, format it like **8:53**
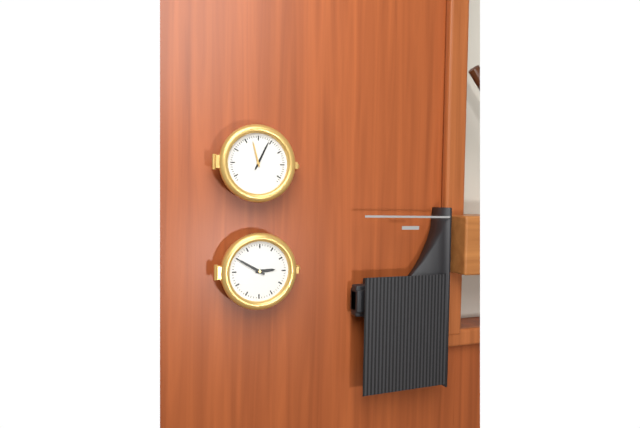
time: **2:50**
